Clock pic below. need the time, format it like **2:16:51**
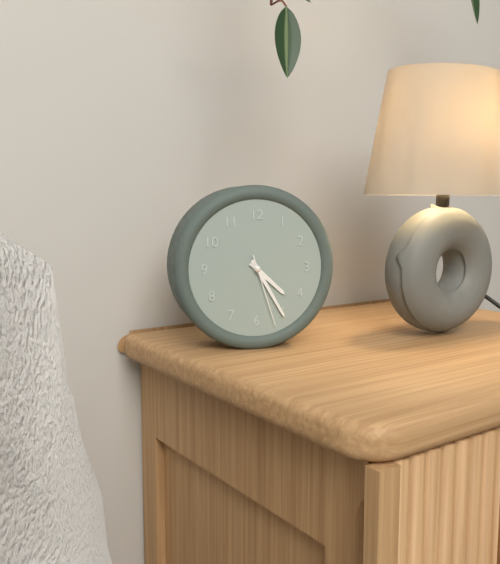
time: **4:25:27**
